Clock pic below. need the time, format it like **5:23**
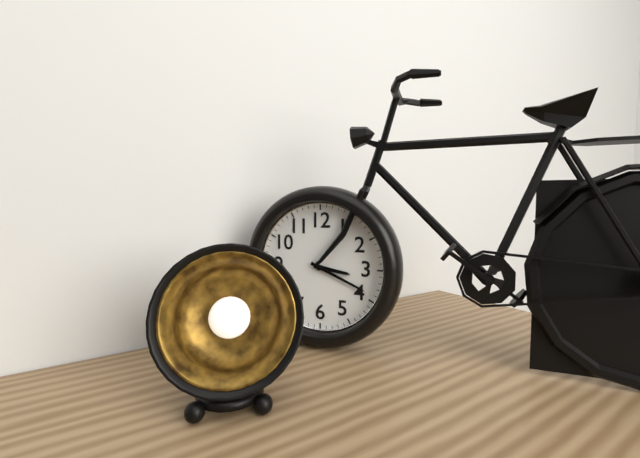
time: **3:19**
